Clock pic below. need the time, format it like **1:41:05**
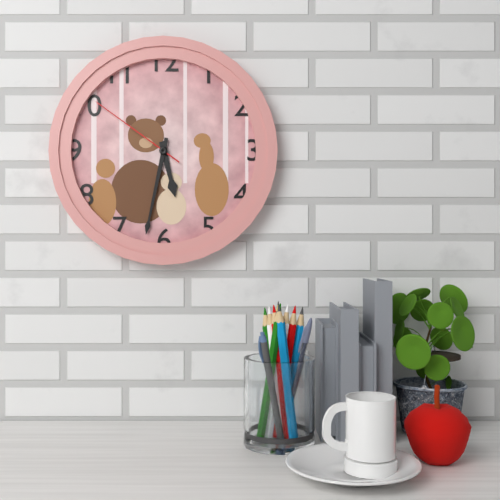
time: **5:32:51**
